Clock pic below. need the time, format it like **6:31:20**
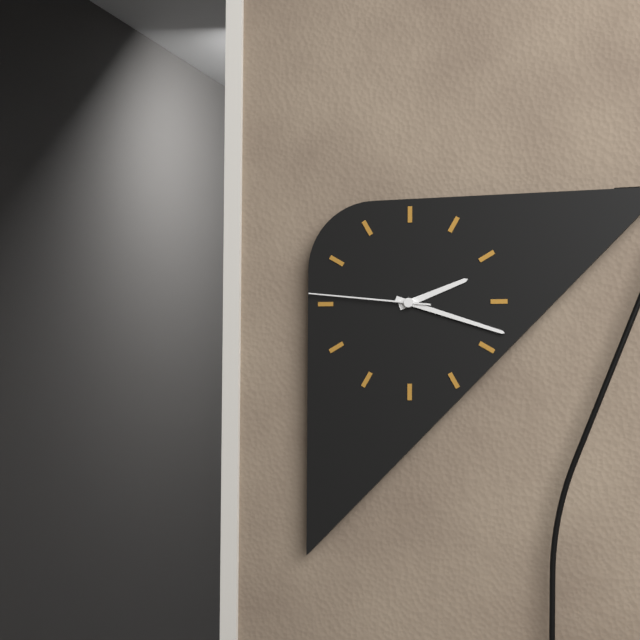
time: **2:18:46**
